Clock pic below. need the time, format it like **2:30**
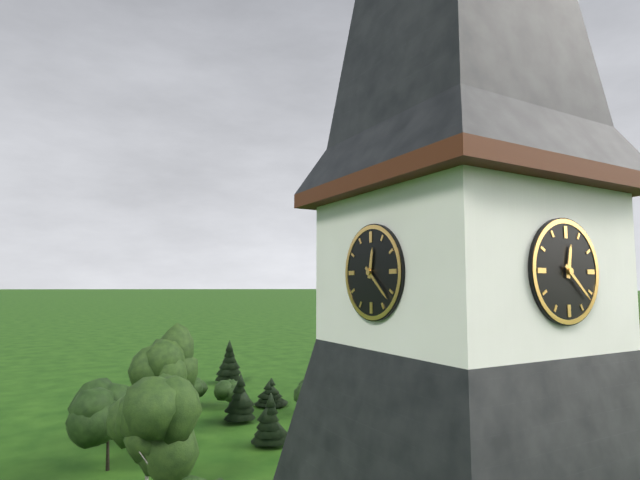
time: **12:22**
